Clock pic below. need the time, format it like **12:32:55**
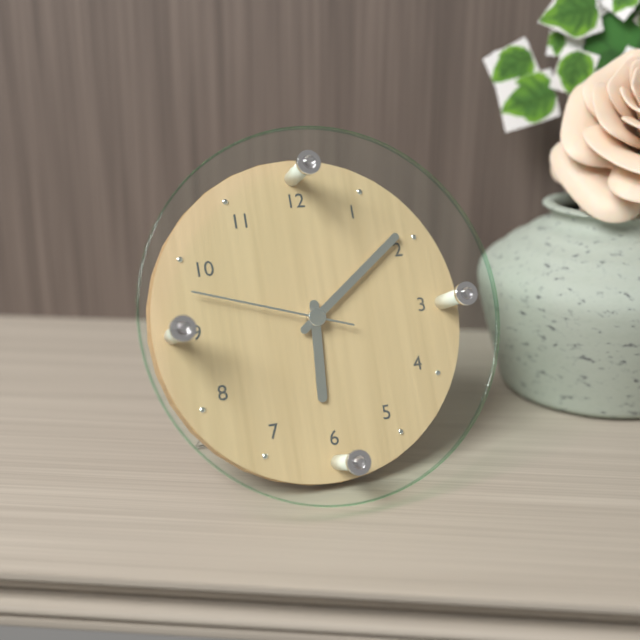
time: **6:09:48**
